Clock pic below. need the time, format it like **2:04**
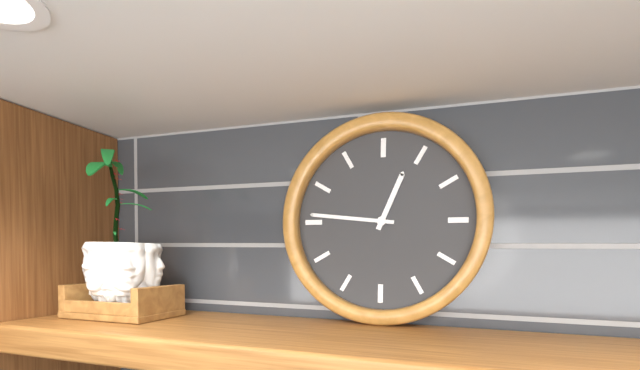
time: **12:46**
